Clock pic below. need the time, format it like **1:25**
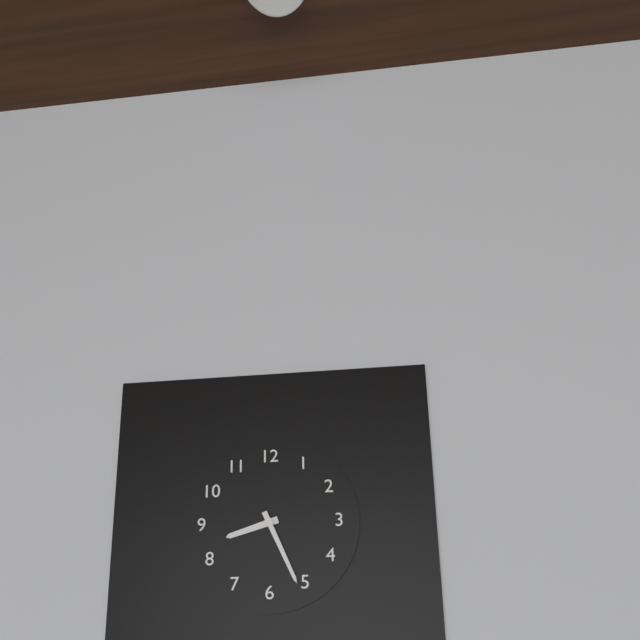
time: **8:26**
